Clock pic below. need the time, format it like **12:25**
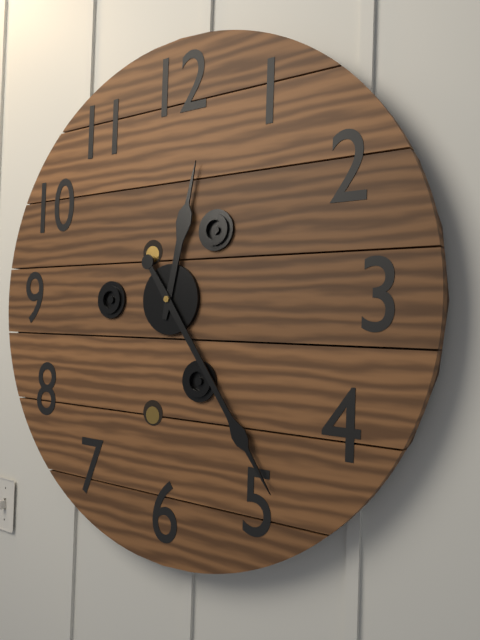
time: **12:24**
